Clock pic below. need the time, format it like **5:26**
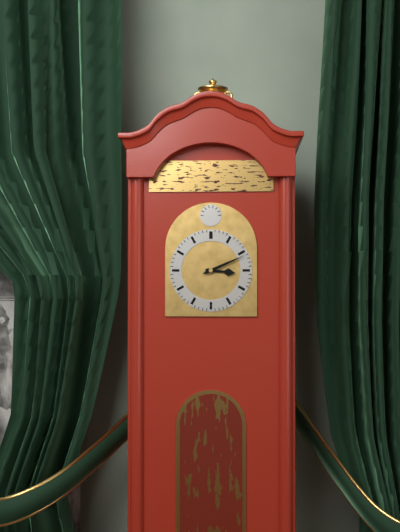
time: **3:11**
